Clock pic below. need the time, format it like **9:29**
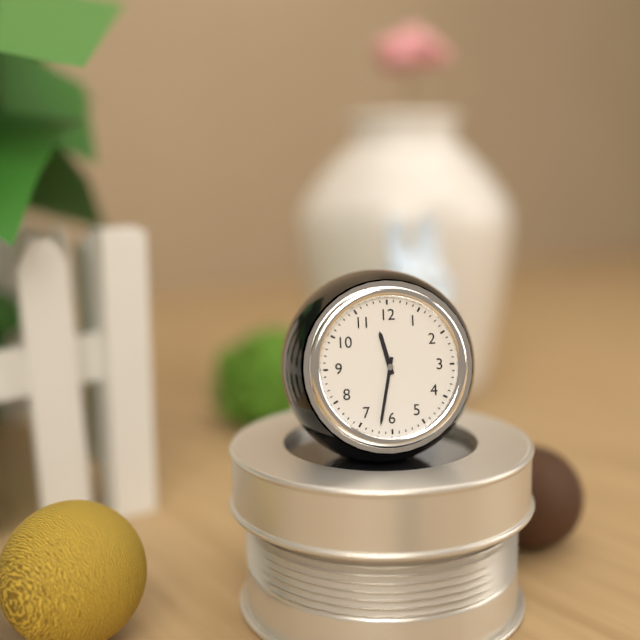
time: **11:32**
